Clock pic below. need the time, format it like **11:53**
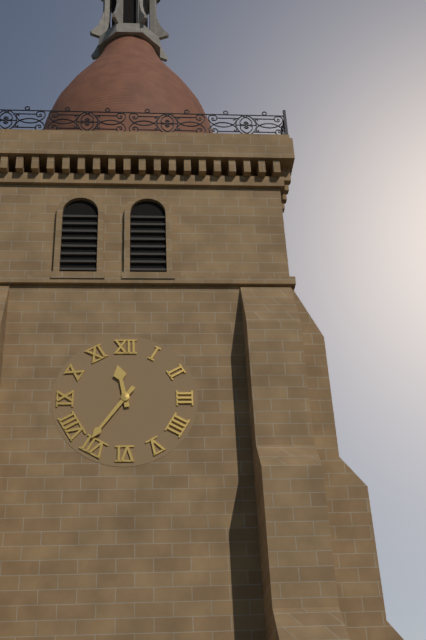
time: **11:36**
